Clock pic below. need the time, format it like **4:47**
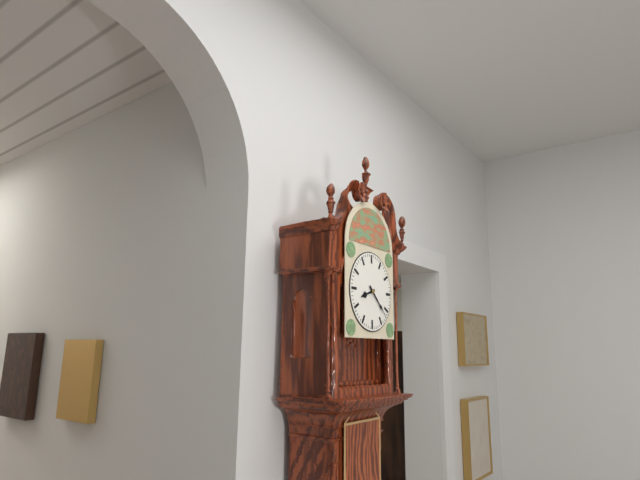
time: **8:22**
